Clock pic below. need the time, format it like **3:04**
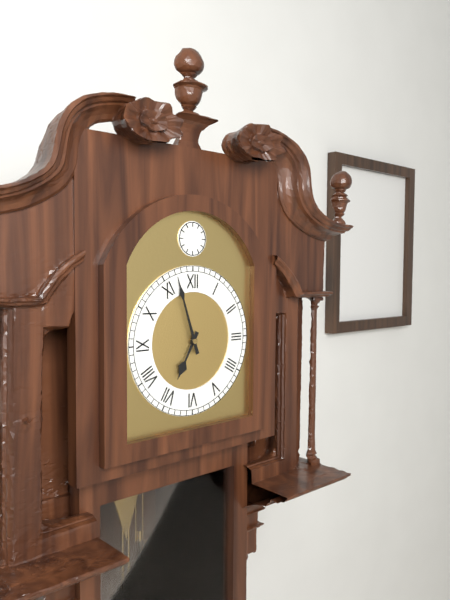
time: **6:57**
